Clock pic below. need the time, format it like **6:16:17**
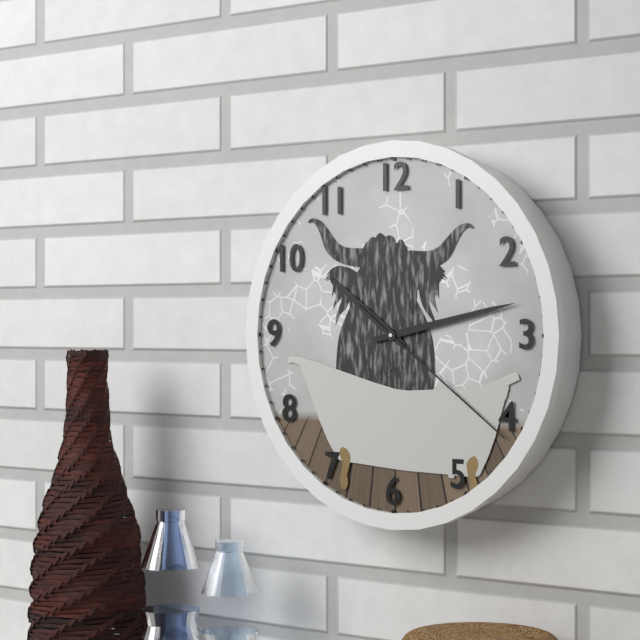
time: **10:13:21**
